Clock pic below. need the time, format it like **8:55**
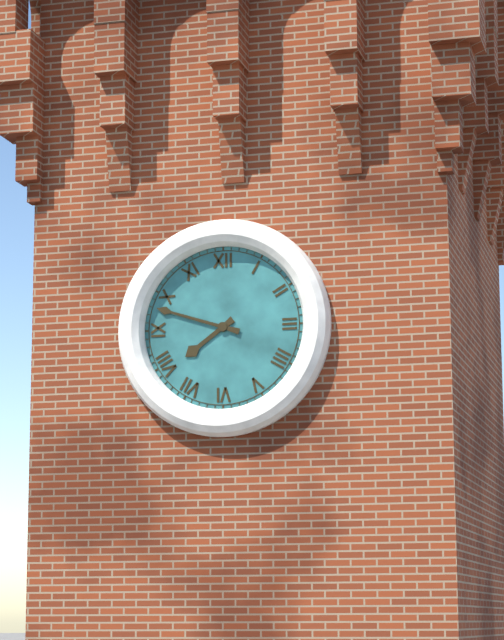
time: **7:48**
